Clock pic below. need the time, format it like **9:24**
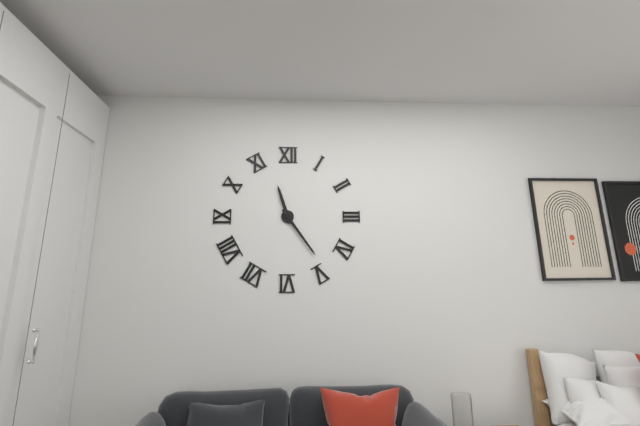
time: **11:24**
